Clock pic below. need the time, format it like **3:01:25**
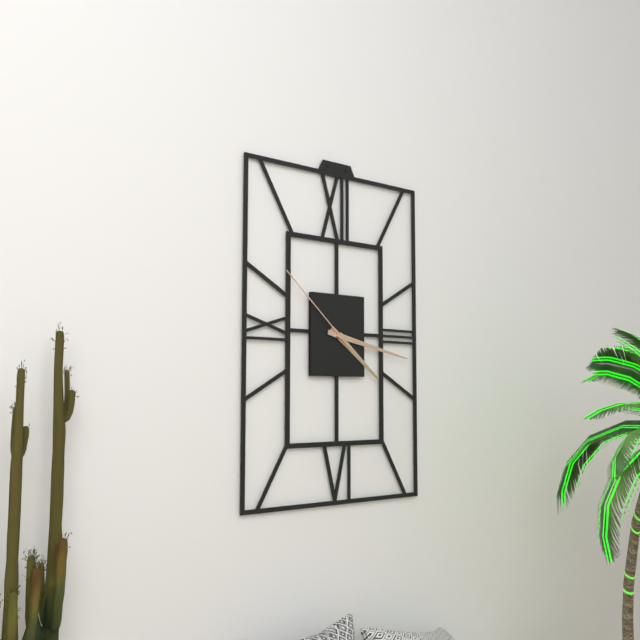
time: **4:17:52**
